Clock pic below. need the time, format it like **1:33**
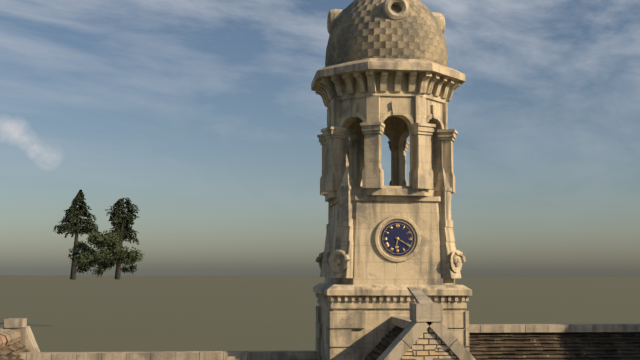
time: **6:20**
